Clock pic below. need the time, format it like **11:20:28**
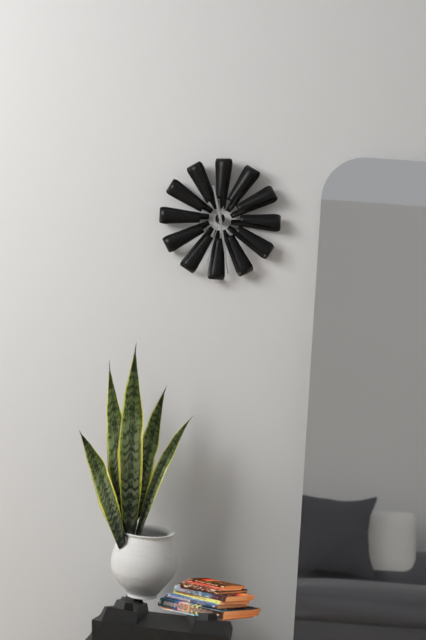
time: **11:28:32**
